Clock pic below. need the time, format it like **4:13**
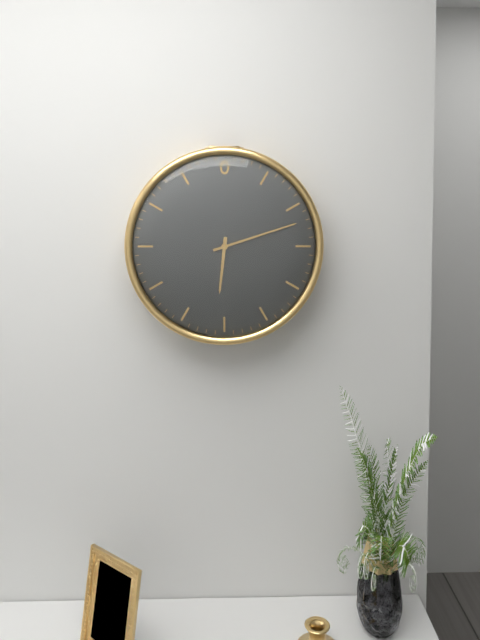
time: **6:12**
